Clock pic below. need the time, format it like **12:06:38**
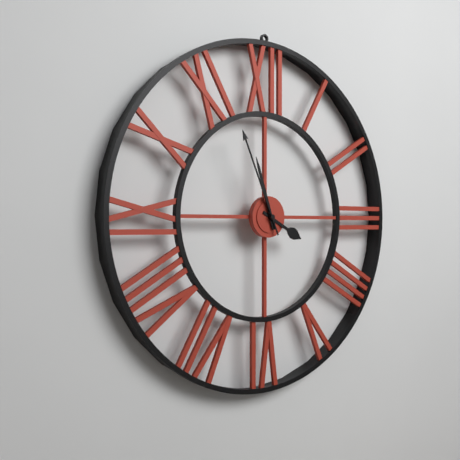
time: **3:57:56**
